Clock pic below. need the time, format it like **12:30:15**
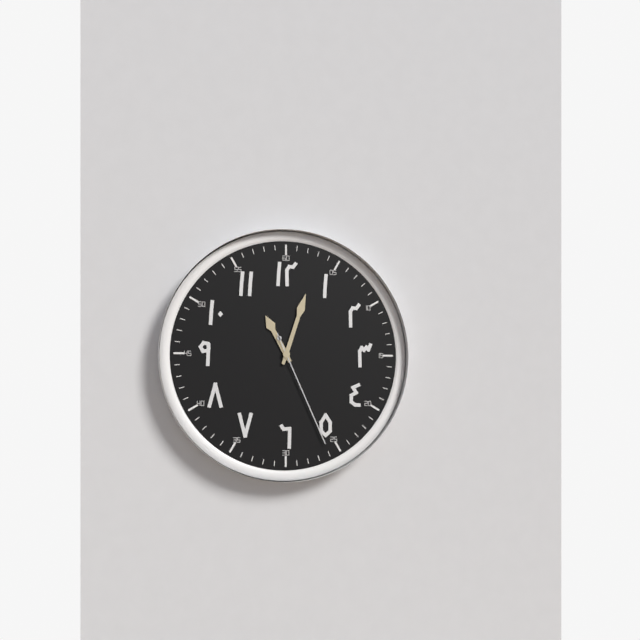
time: **11:03:26**
